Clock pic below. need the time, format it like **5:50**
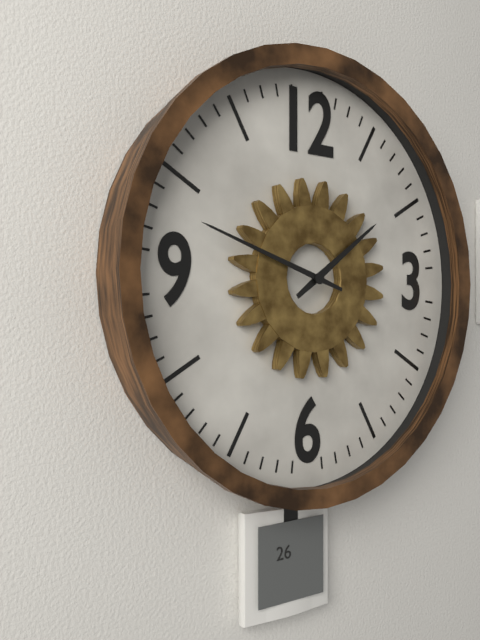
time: **1:48**
